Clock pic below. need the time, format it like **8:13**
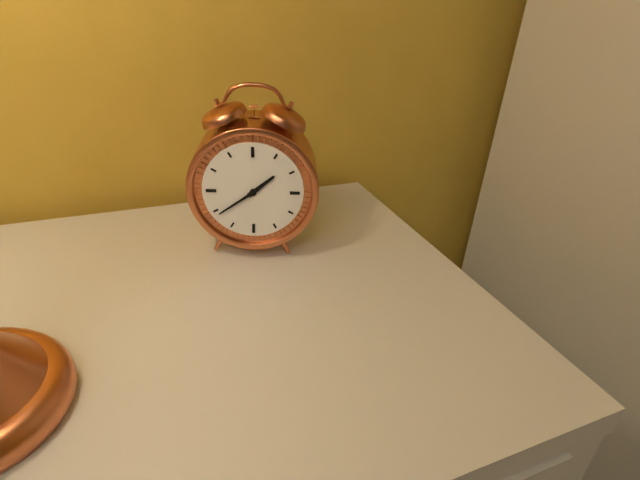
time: **1:39**
